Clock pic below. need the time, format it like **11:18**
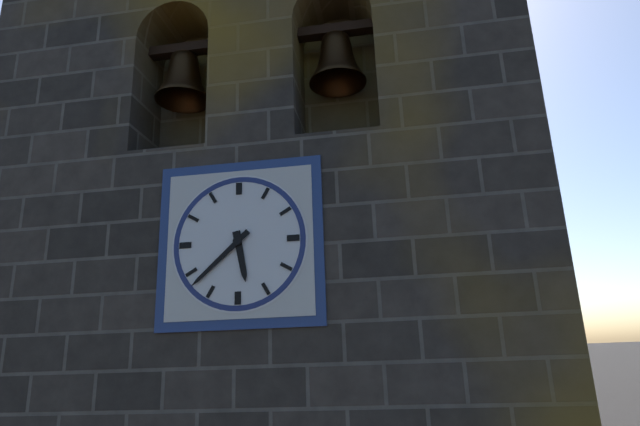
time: **5:38**
